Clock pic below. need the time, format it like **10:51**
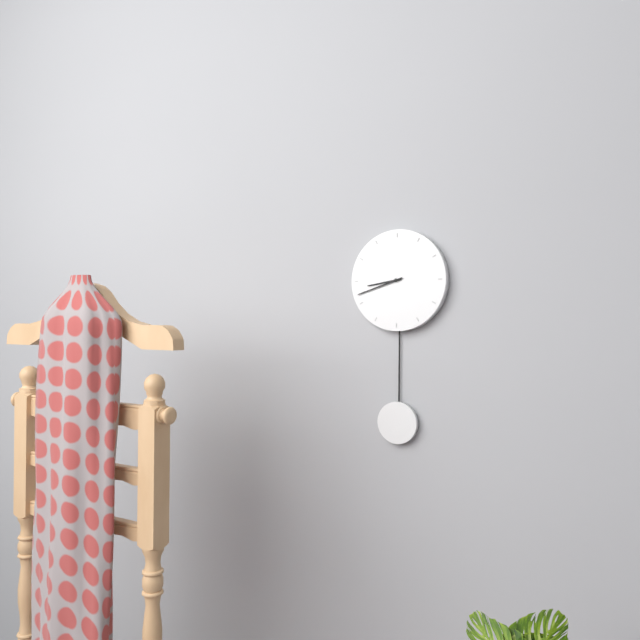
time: **8:42**
